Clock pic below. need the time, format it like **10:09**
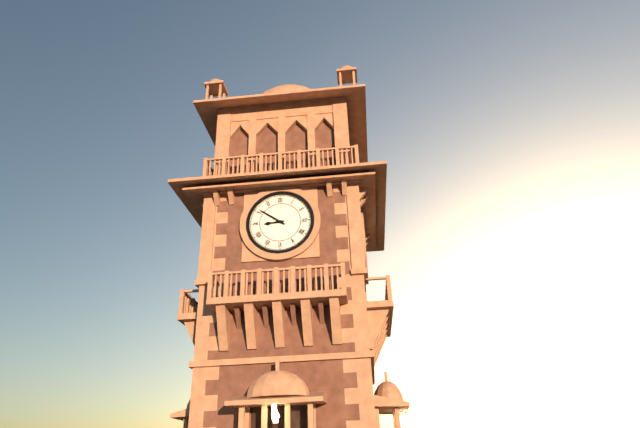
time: **8:51**
